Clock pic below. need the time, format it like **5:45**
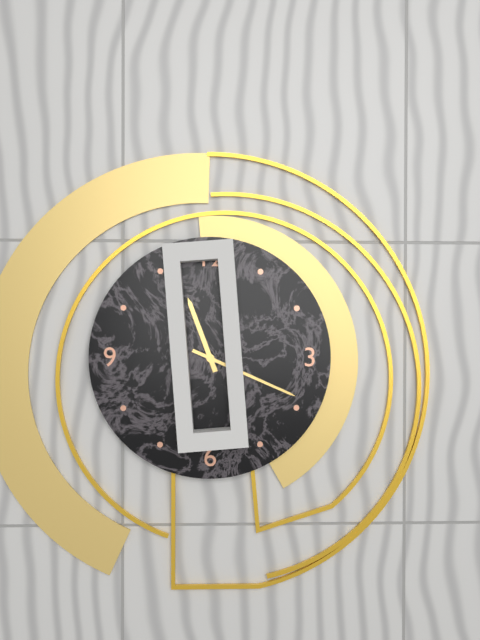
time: **11:19**
